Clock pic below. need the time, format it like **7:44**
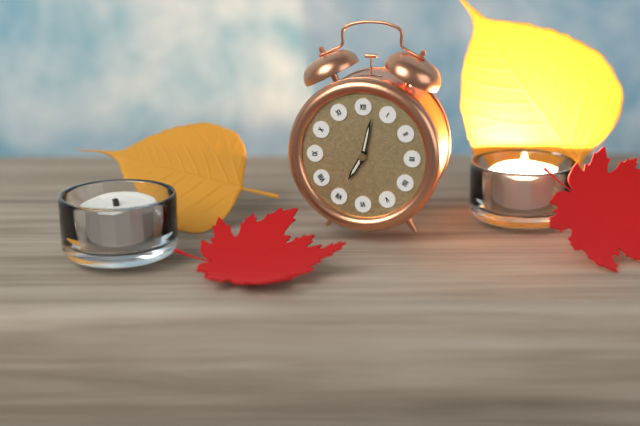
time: **7:02**
